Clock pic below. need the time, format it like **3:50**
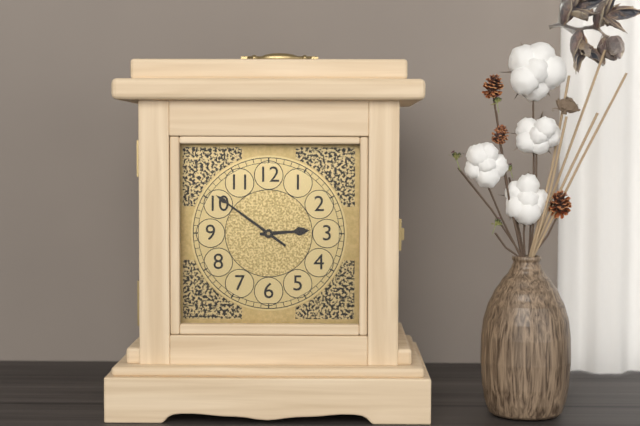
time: **2:51**
